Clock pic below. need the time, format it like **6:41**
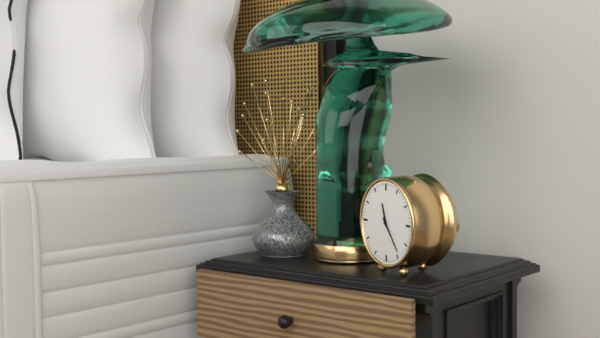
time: **11:24**
